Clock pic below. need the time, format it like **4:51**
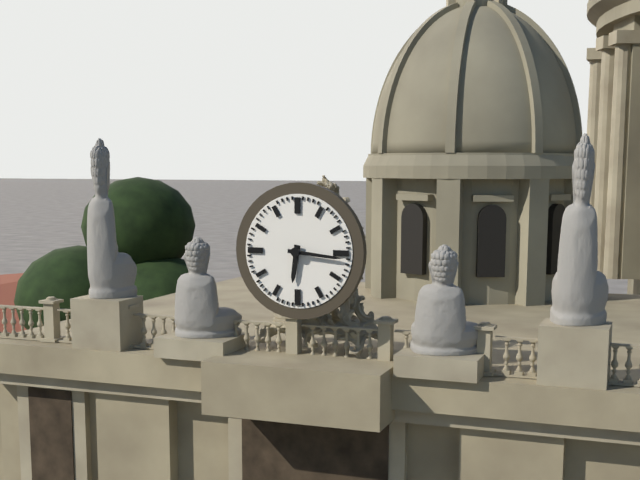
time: **6:16**
